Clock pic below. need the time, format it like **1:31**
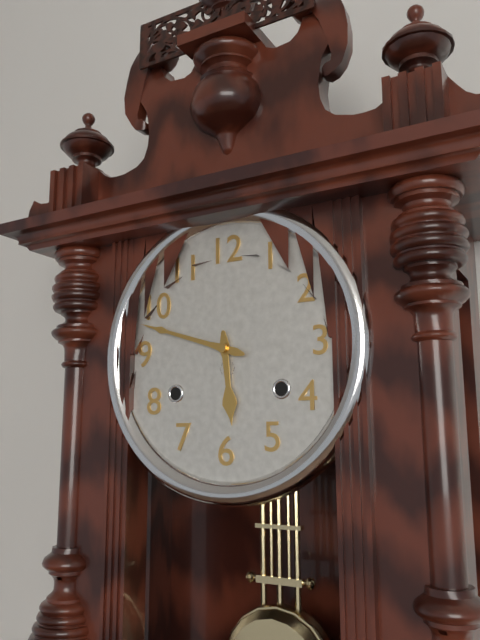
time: **5:48**
